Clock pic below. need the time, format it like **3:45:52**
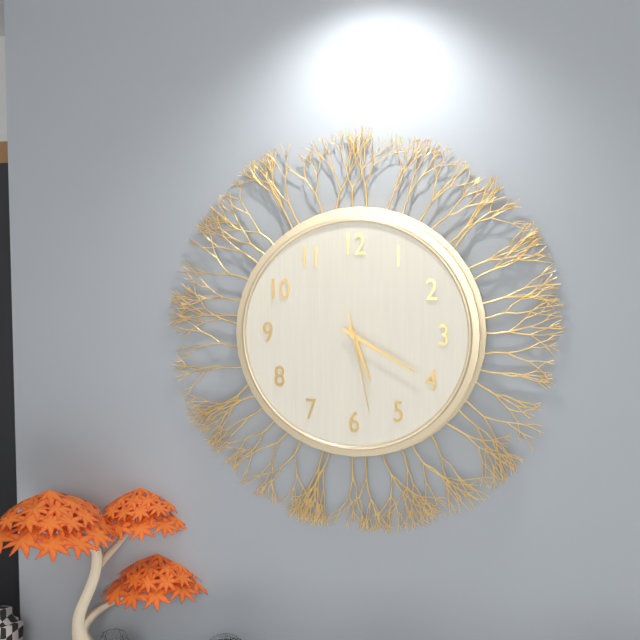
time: **5:20:28**
